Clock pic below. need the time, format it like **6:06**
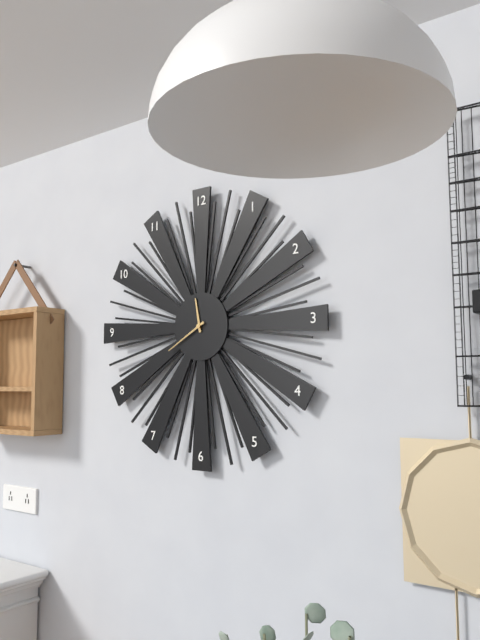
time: **11:40**
